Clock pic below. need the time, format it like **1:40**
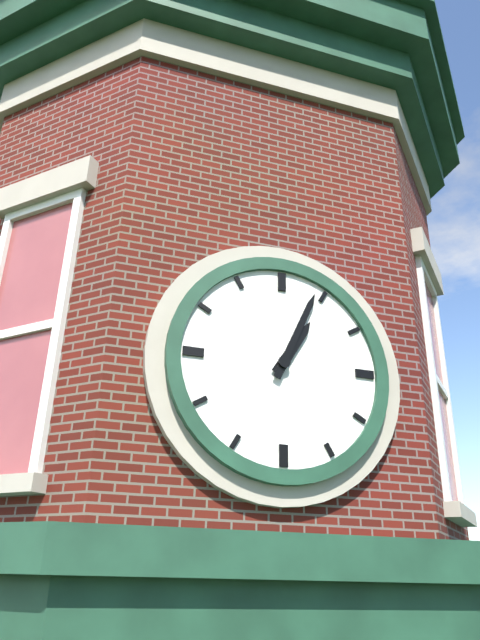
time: **1:04**
